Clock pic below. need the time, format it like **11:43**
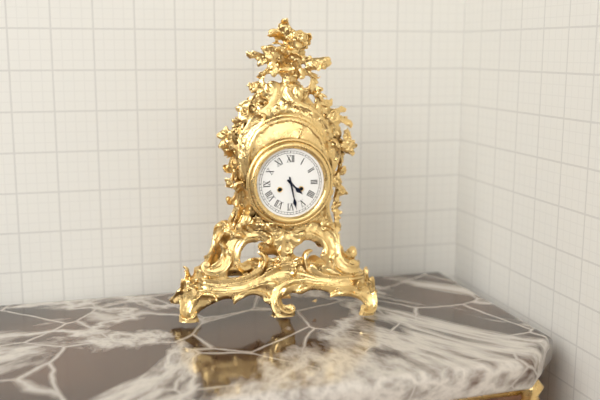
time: **4:28**
